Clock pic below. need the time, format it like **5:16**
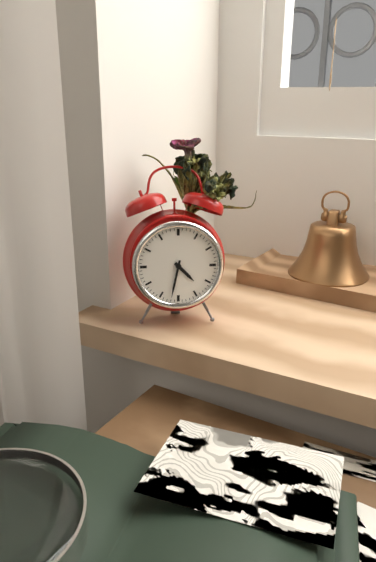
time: **4:32**
